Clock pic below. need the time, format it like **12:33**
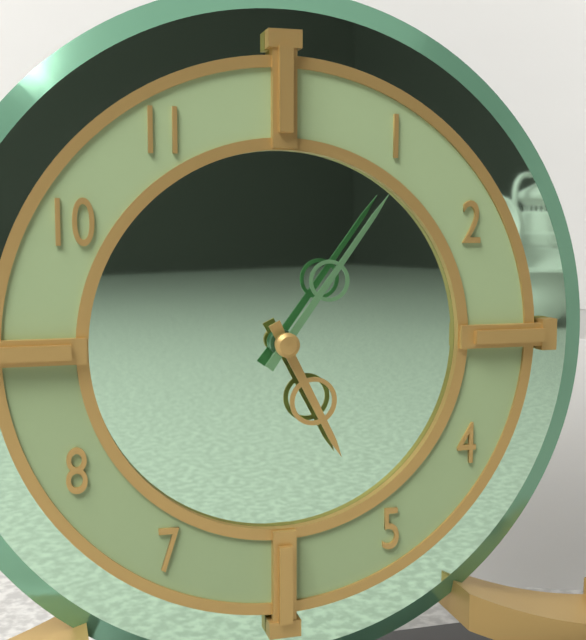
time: **5:06**
